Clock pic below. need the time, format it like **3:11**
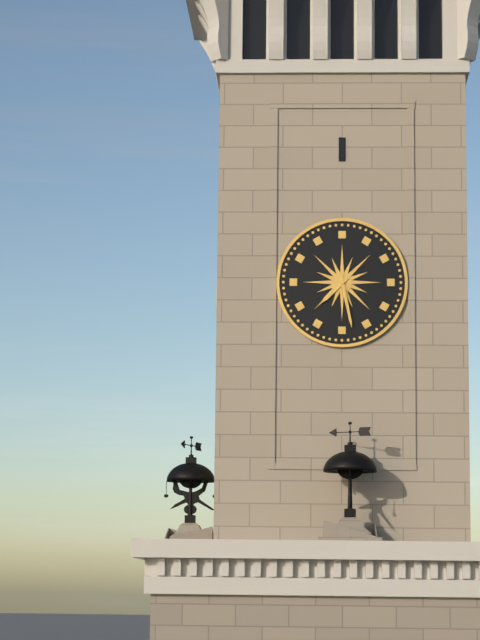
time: **7:28**
